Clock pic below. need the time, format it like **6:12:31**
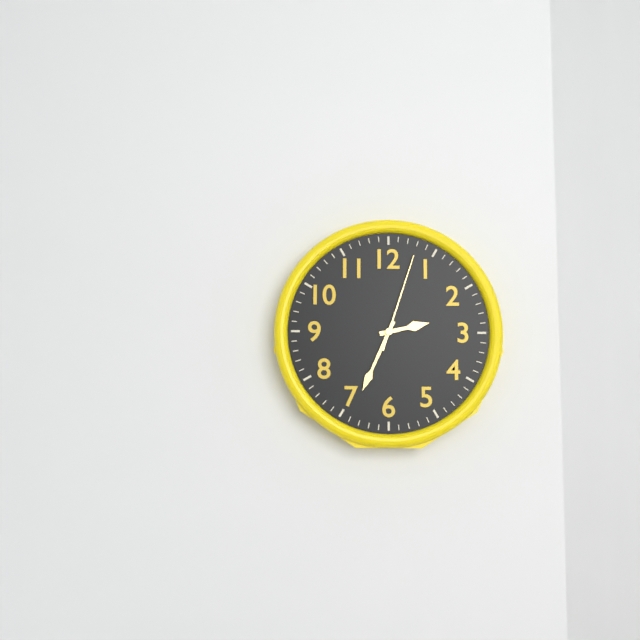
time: **2:34:03**
